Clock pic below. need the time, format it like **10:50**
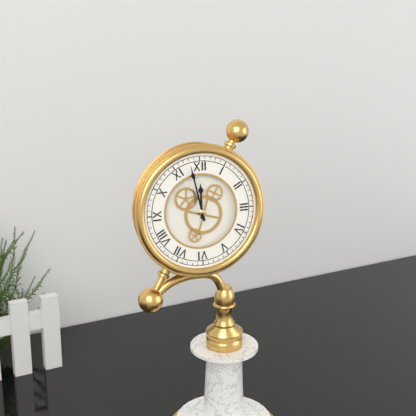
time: **11:58**
